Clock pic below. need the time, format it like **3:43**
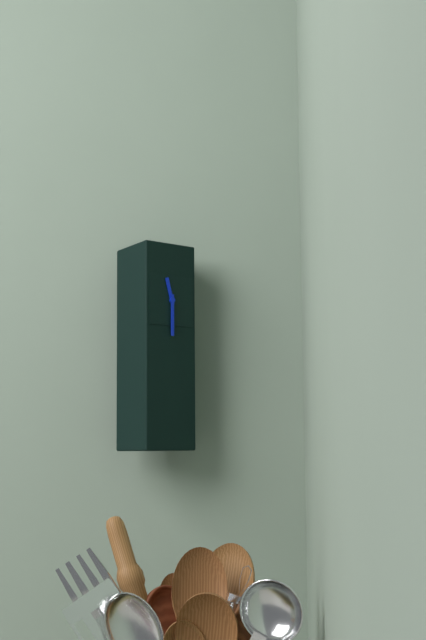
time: **11:30**
